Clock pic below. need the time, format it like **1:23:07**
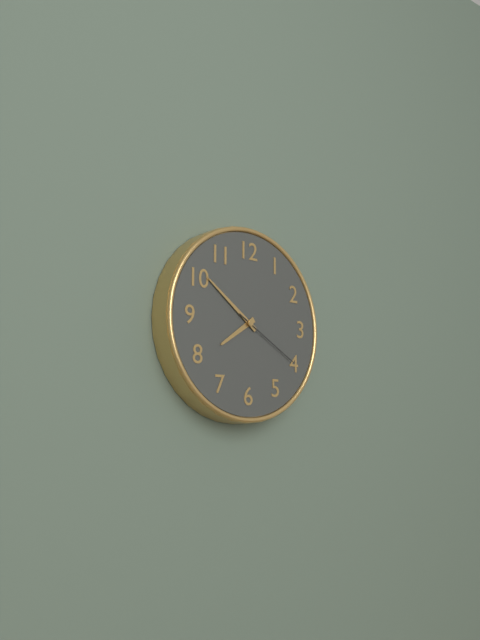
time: **7:51:20**
